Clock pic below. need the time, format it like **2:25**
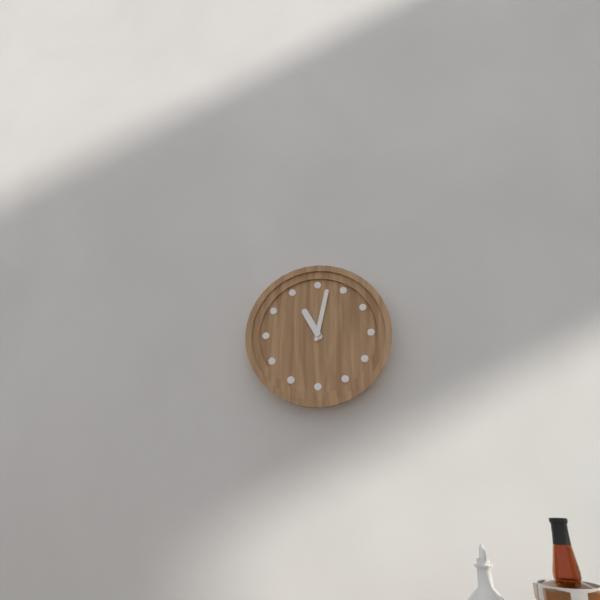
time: **11:02**
